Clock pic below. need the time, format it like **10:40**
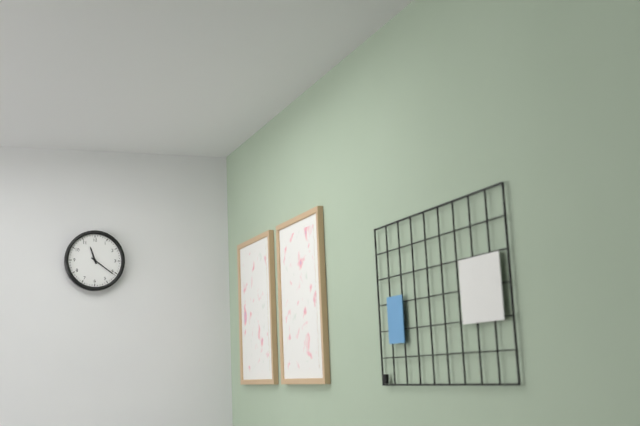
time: **11:21**
